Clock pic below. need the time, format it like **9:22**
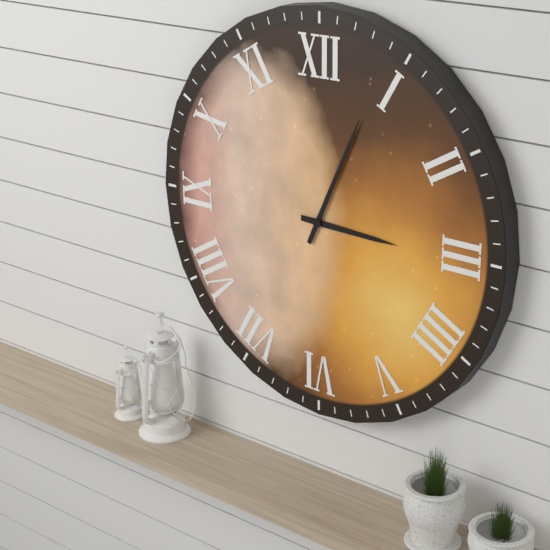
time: **3:04**
